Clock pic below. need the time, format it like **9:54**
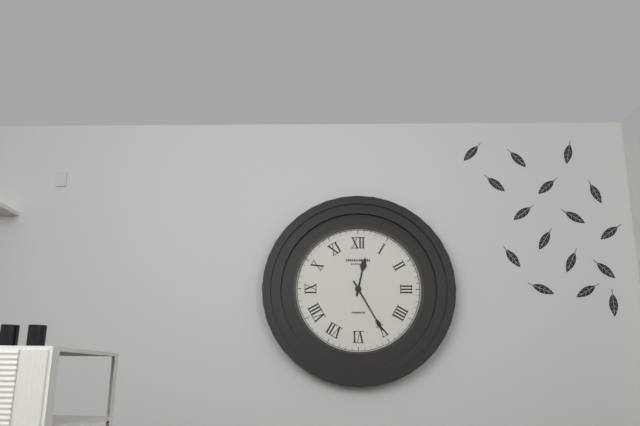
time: **12:25**
